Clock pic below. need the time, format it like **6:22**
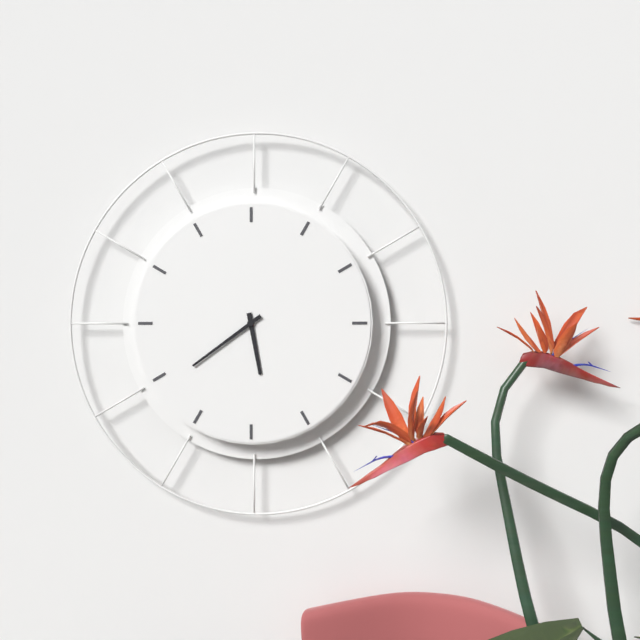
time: **5:39**
